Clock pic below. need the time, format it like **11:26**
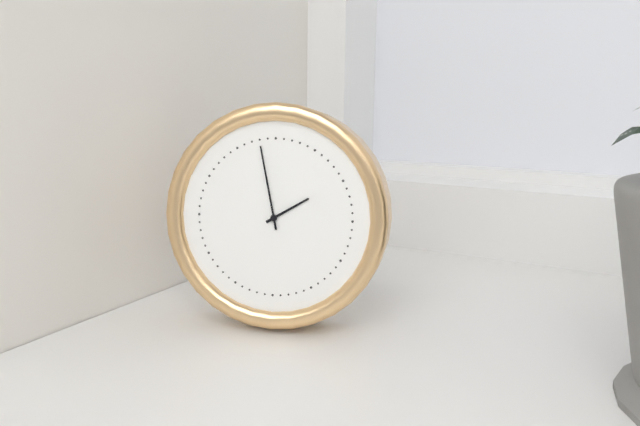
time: **1:58**
